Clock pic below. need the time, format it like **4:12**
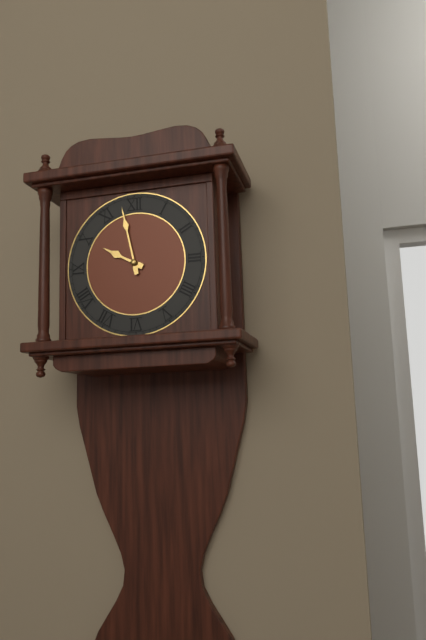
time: **9:58**
